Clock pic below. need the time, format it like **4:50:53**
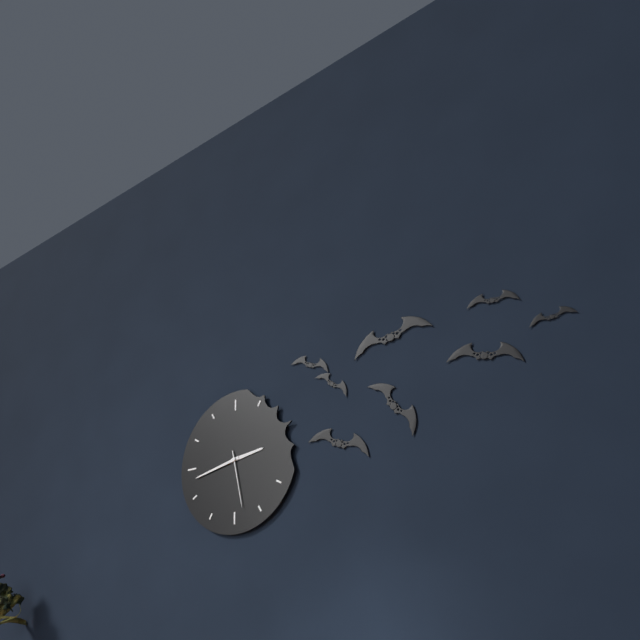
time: **2:43:28**
